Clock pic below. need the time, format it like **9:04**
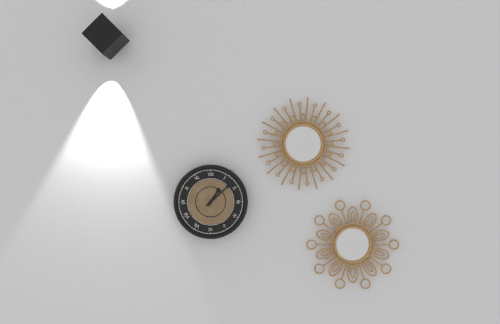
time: **1:08**
